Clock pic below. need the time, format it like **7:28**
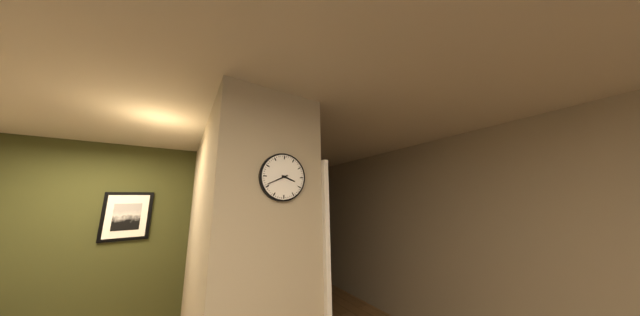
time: **3:41**
